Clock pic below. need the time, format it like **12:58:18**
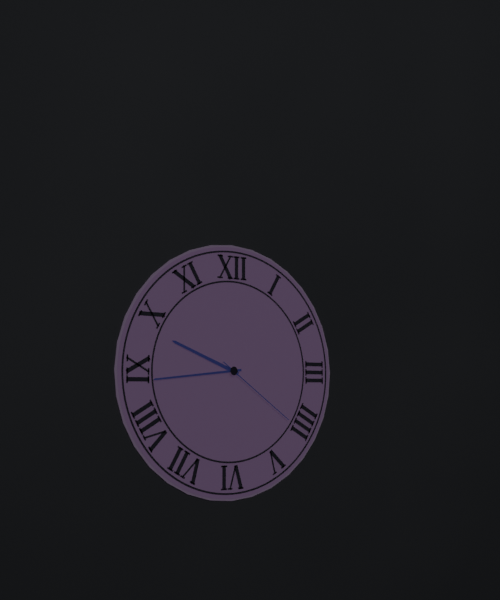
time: **9:44:21**
